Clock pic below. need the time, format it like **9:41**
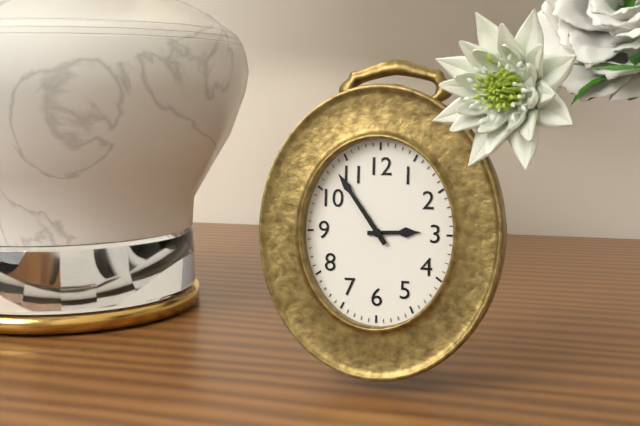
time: **2:54**
